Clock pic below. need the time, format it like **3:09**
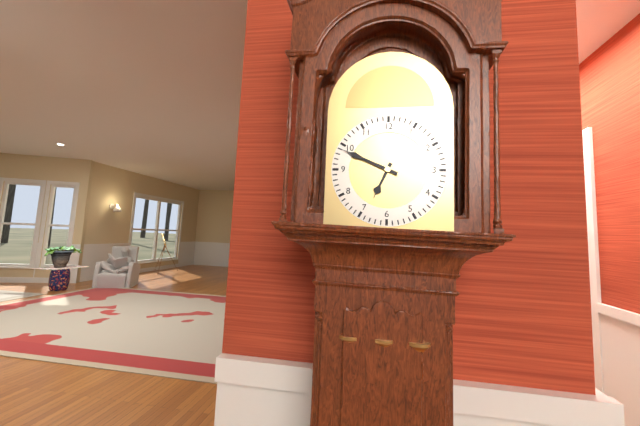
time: **6:49**
